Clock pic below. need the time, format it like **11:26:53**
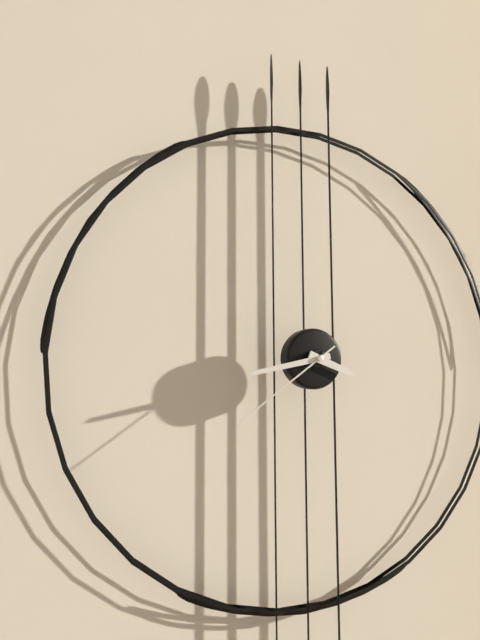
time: **3:43:39**
